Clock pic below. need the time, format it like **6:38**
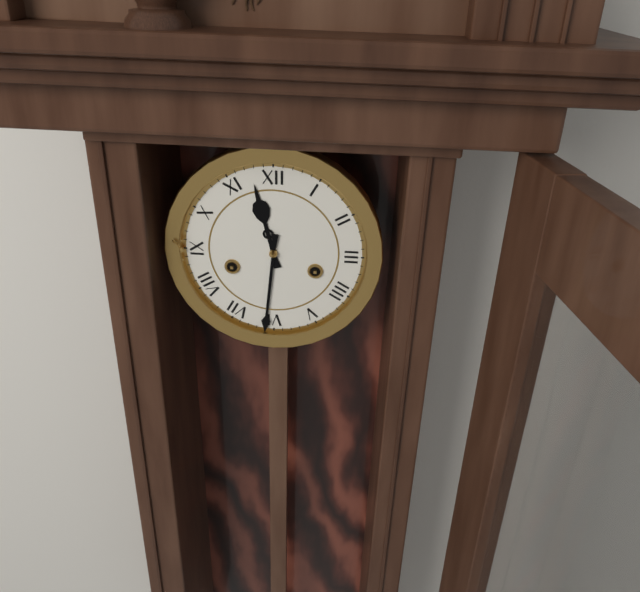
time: **11:31**
